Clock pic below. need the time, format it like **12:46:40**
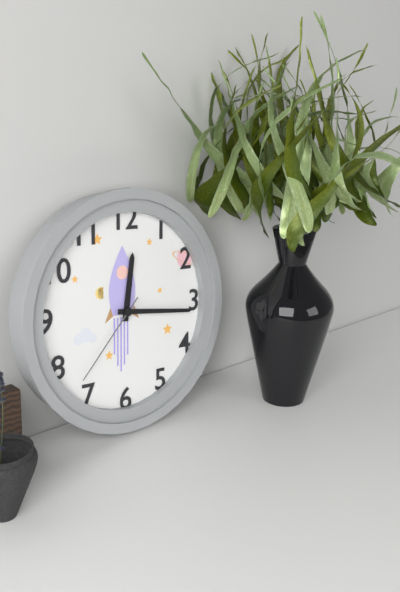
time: **12:16:37**
